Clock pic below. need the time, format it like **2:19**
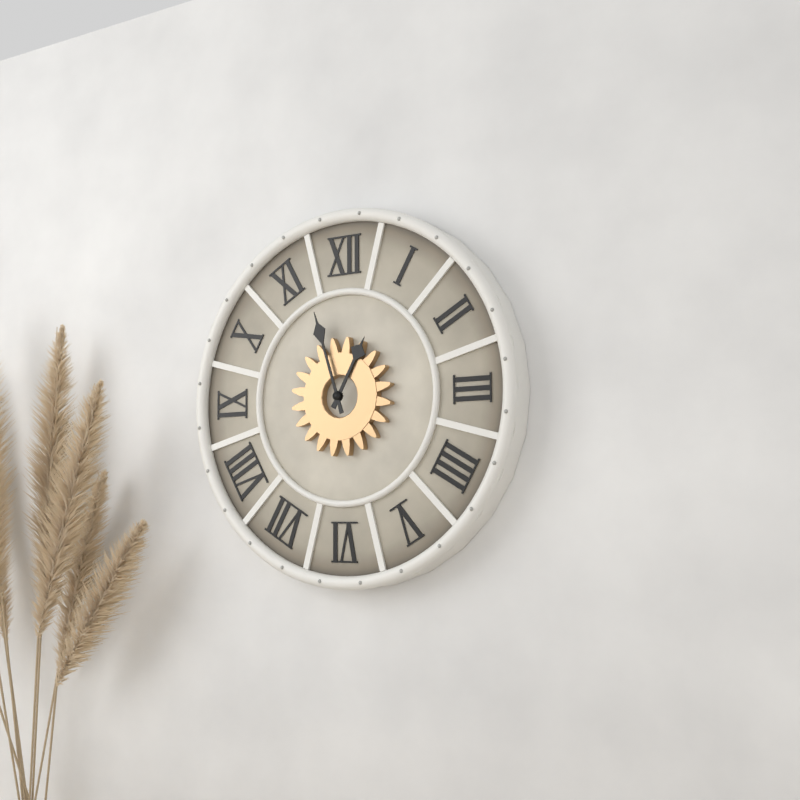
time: **12:57**
